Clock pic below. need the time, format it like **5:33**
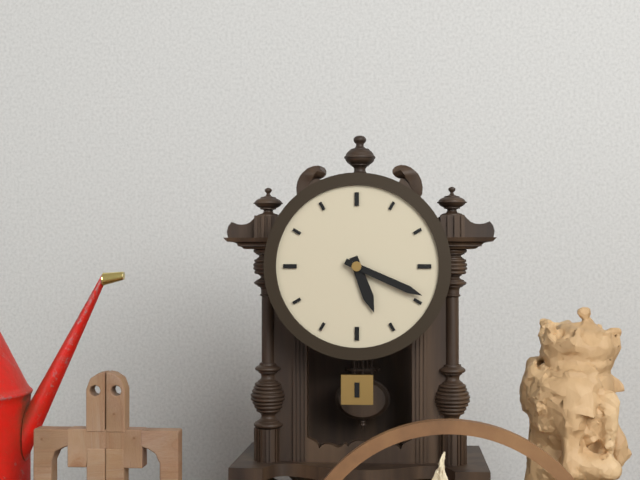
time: **5:19**
